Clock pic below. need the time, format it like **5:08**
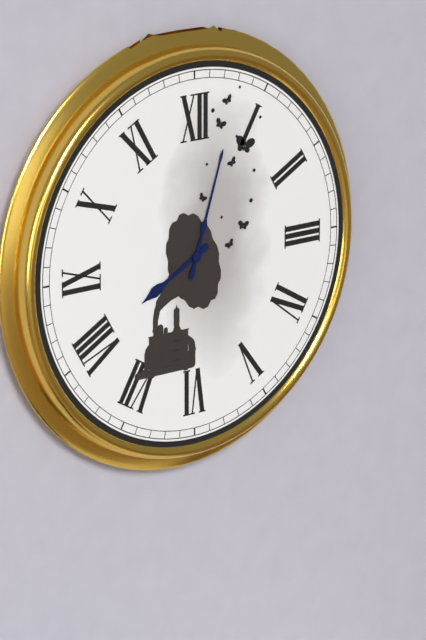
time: **8:03**
